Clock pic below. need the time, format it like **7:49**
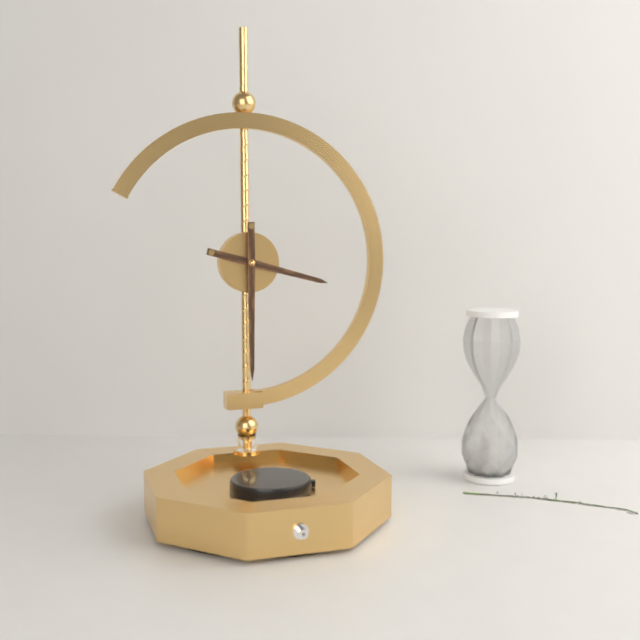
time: **3:30**
